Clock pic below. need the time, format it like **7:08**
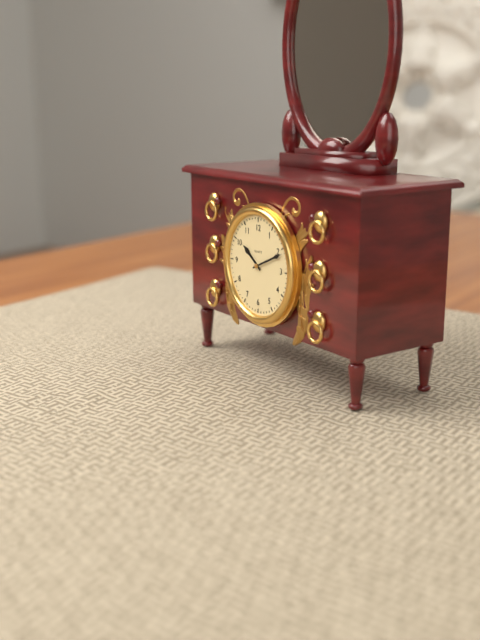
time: **10:11**
